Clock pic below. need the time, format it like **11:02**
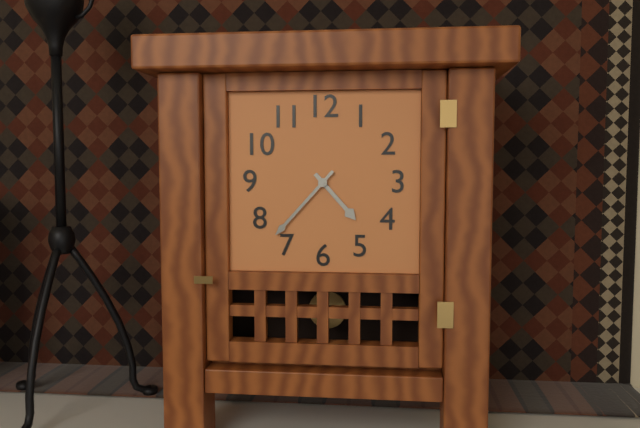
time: **4:37**
